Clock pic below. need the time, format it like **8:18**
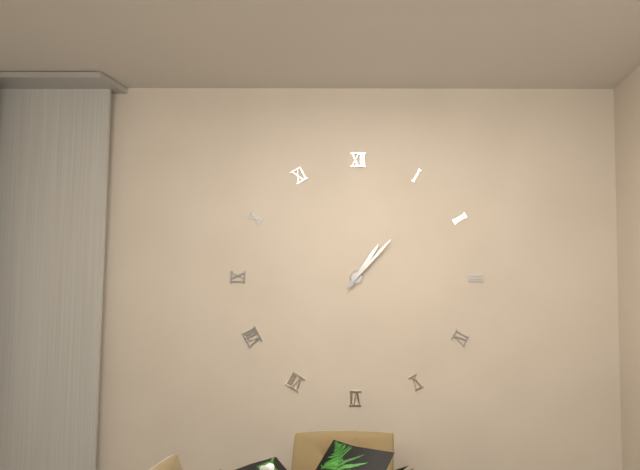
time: **1:07**
